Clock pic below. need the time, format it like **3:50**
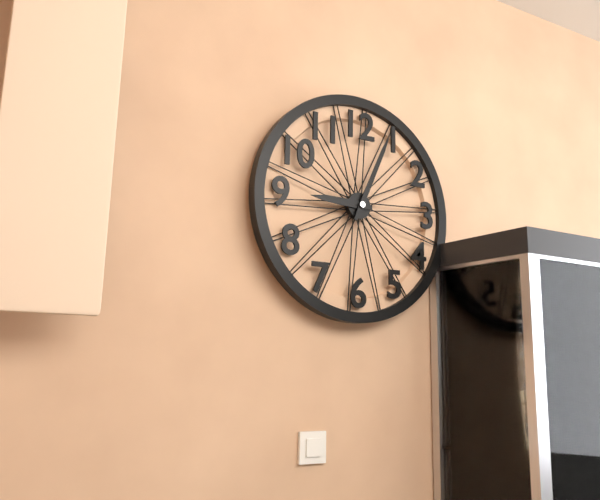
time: **9:04**
